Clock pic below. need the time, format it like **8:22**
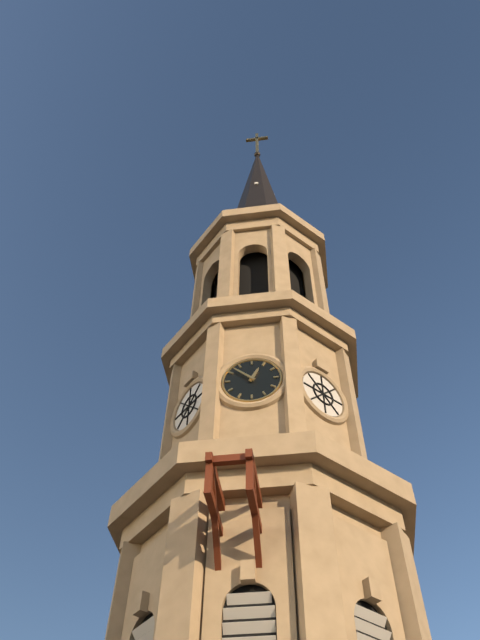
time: **12:52**
